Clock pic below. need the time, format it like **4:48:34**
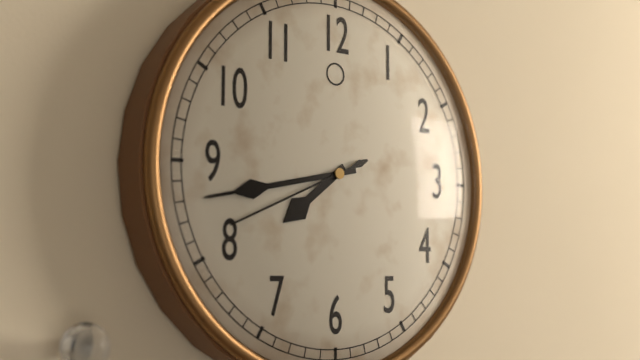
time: **7:43:41**
